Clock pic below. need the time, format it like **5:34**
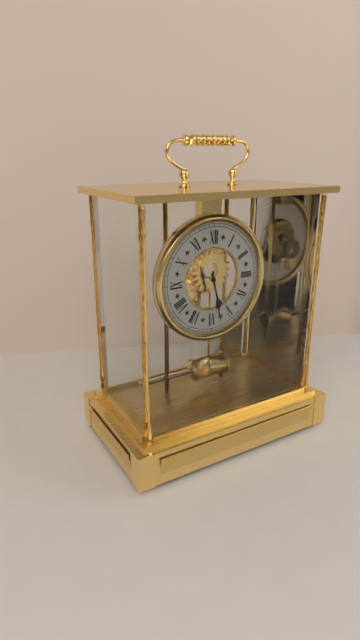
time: **5:28**
